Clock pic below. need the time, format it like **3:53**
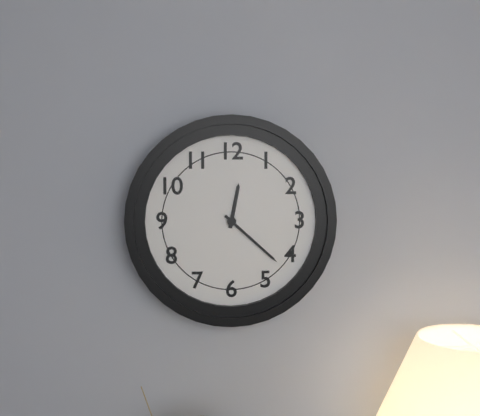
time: **12:22**
